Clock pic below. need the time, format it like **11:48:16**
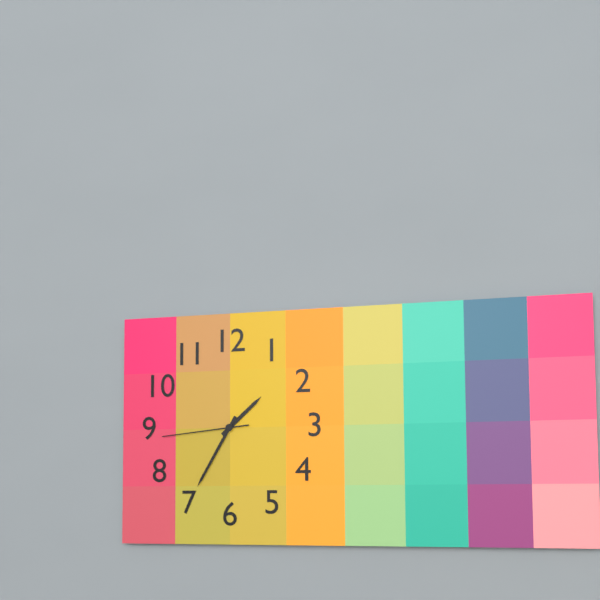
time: **1:35:44**
